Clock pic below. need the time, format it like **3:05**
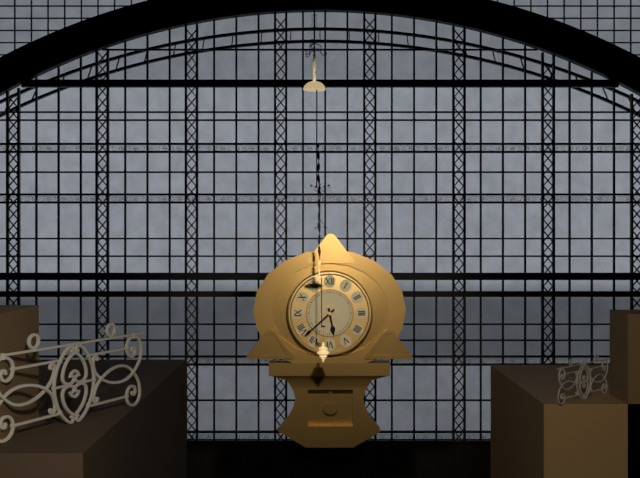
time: **5:38**
